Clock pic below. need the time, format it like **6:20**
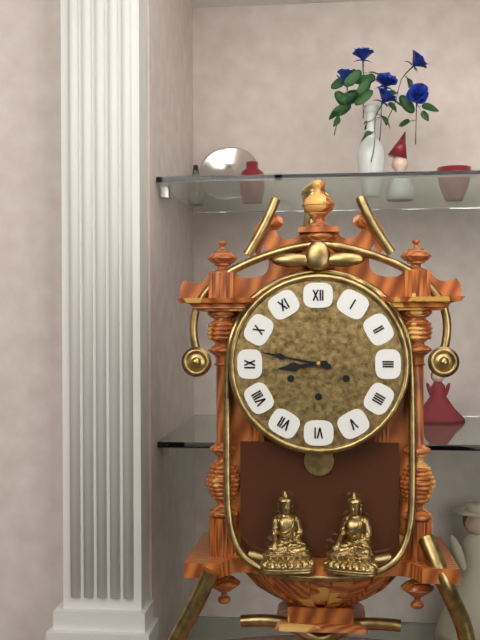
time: **8:47**
